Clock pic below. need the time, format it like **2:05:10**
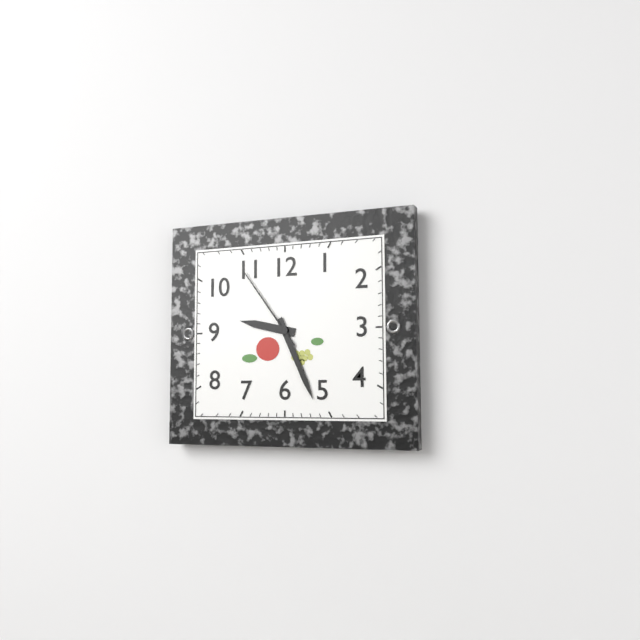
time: **9:26:54**
